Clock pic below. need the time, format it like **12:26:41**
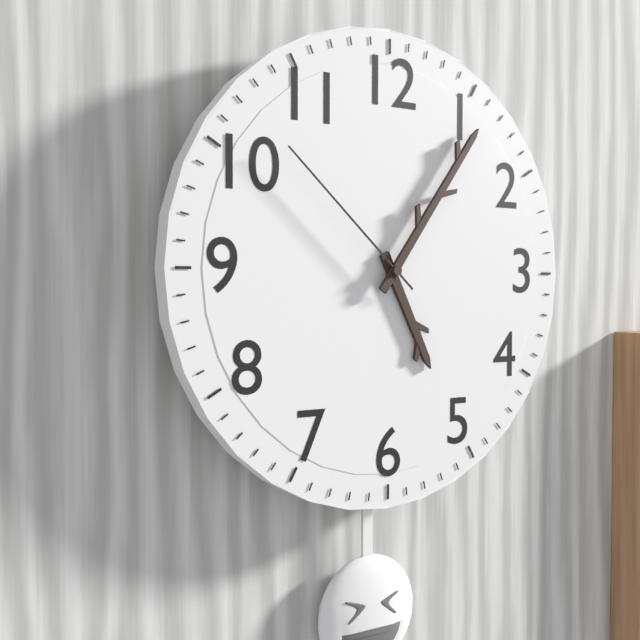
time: **5:06:52**
